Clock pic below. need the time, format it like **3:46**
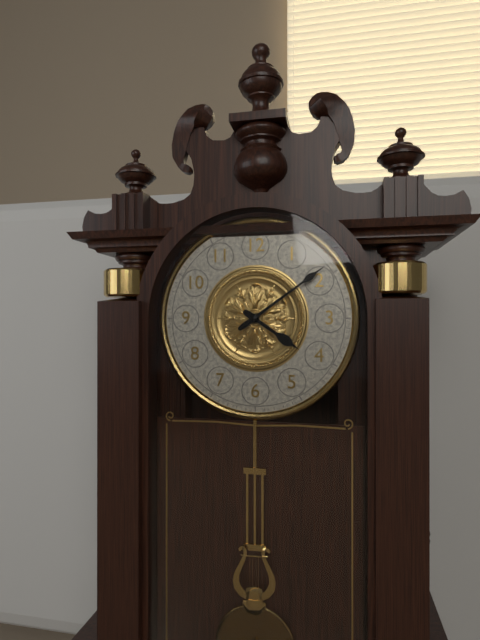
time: **4:09**
